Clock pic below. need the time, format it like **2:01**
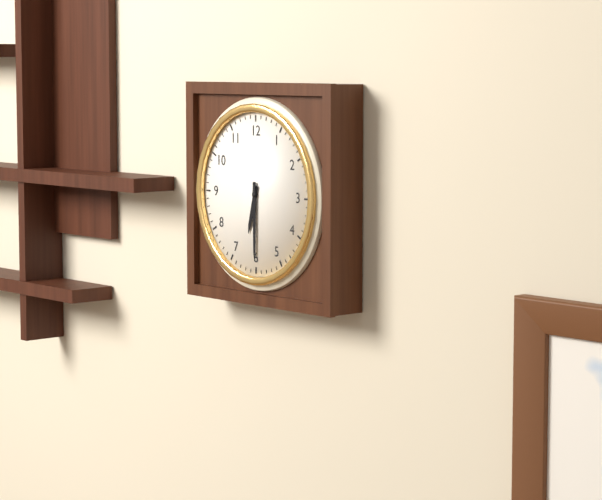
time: **6:30**
